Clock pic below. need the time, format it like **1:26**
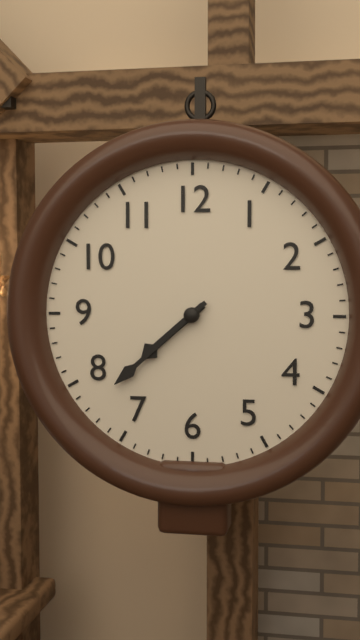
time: **7:38**
